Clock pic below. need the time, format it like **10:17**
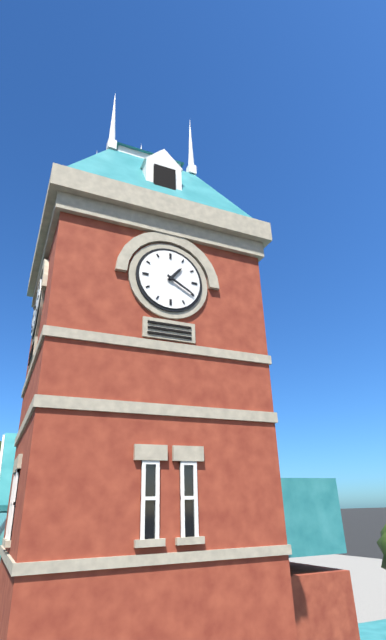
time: **1:20**
